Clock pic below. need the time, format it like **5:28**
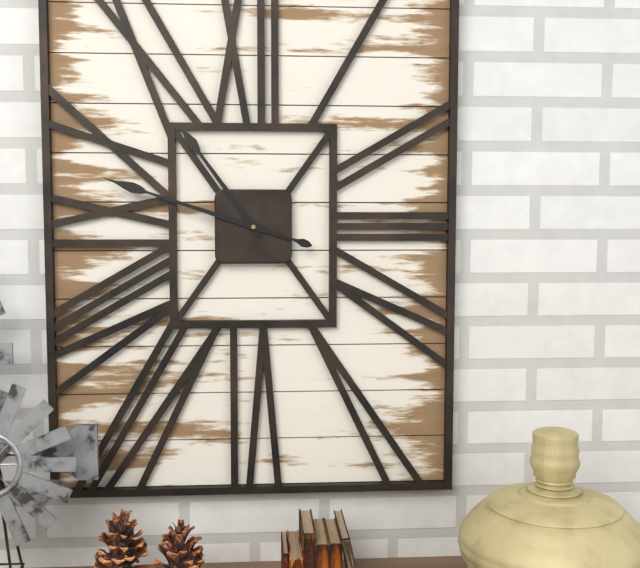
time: **10:48**
